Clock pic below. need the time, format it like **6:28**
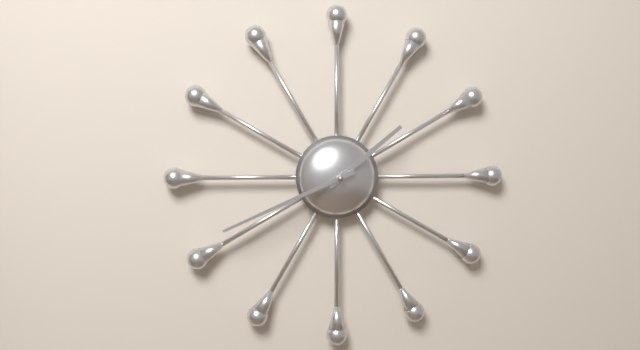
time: **1:41**
